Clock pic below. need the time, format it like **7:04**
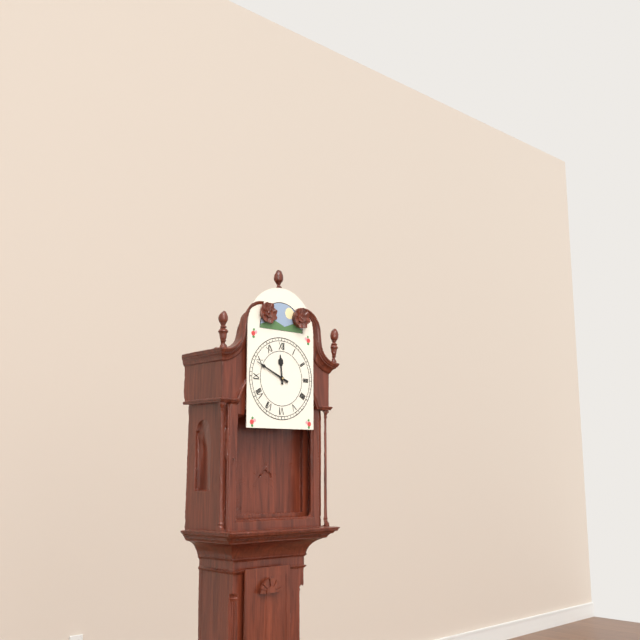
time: **11:49**
